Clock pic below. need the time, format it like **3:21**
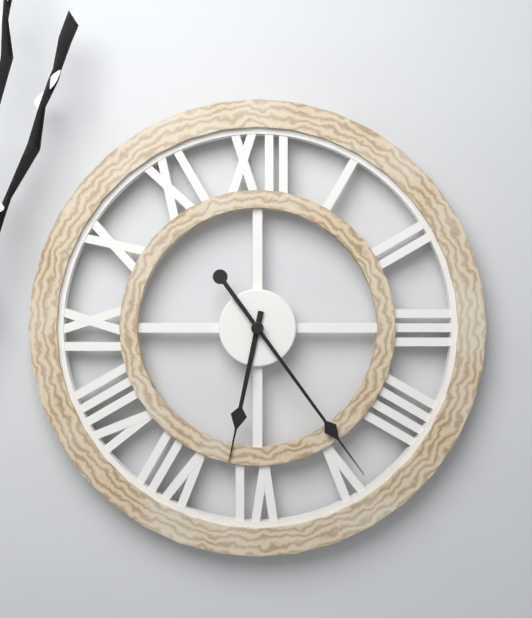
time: **6:24**
